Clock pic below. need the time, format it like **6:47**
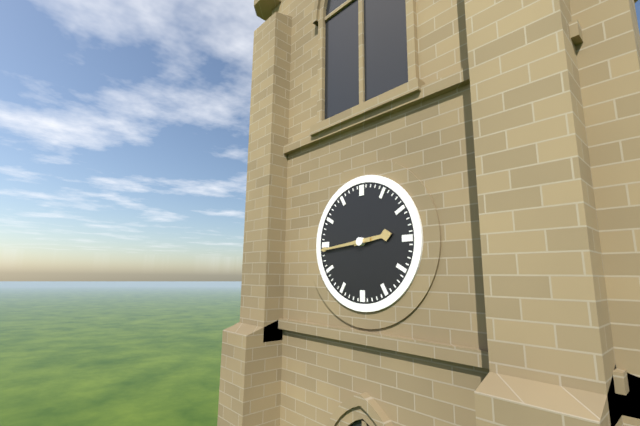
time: **2:44**
